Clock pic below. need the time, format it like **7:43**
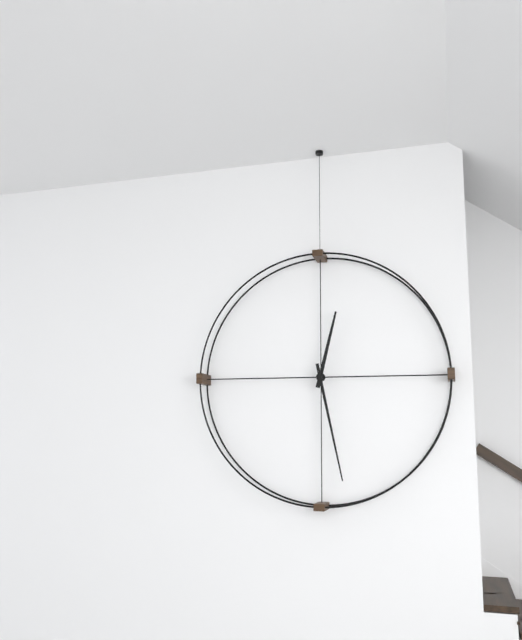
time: **12:28**
